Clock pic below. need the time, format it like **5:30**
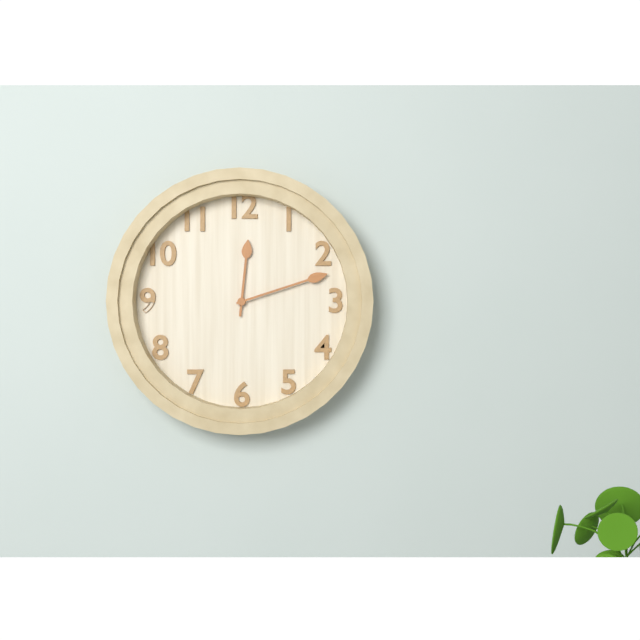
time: **12:12**
